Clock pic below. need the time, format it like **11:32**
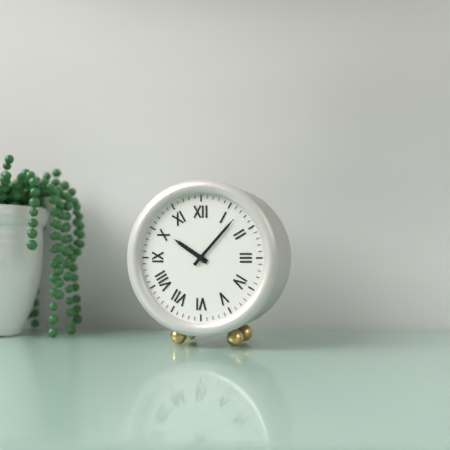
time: **10:07**
